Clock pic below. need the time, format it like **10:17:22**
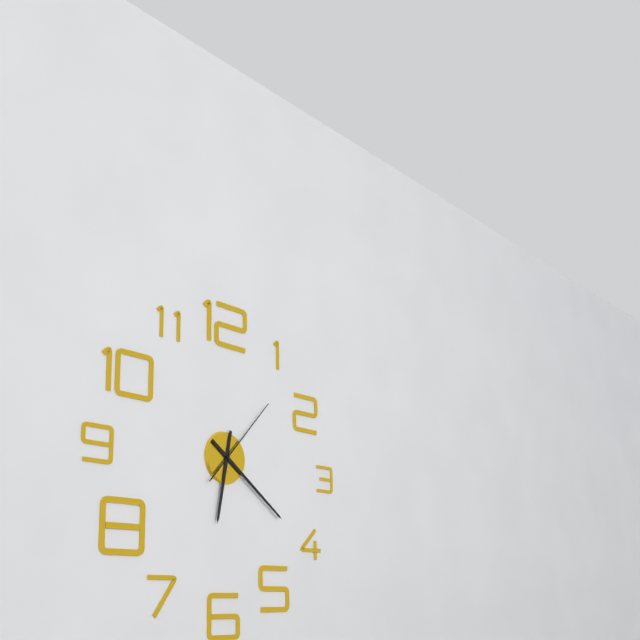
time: **6:21:07**
